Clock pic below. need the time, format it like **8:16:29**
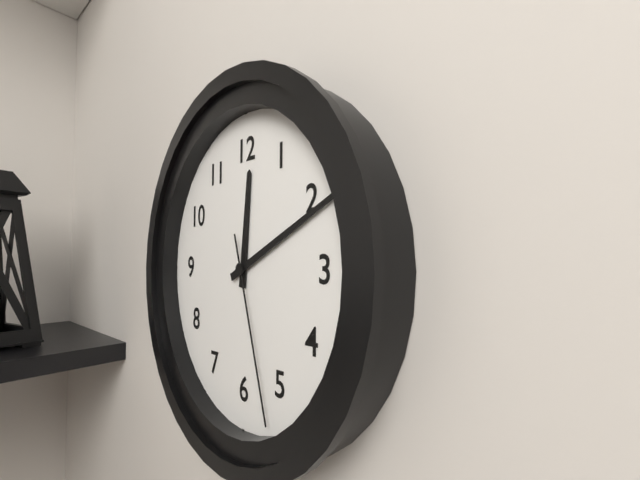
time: **12:11:27**
